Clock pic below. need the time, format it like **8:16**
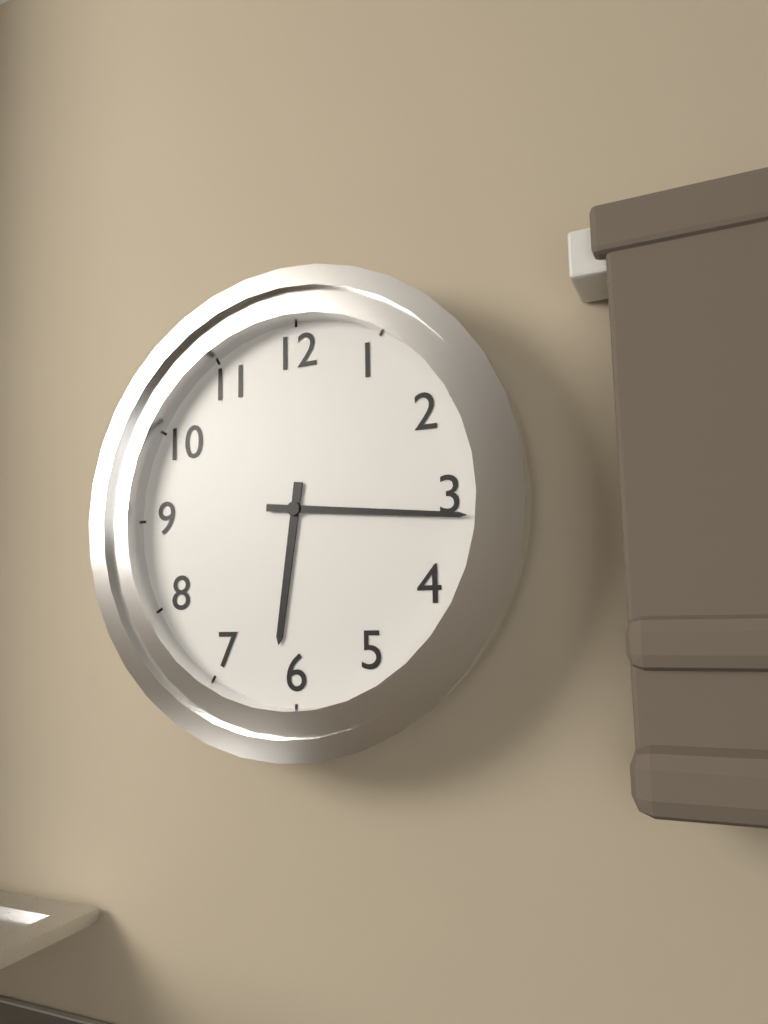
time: **6:16**
